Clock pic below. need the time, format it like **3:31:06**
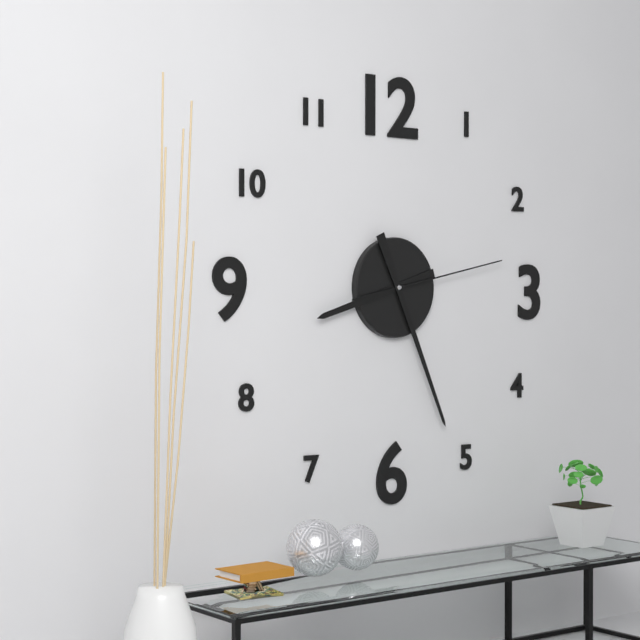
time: **8:26:13**
